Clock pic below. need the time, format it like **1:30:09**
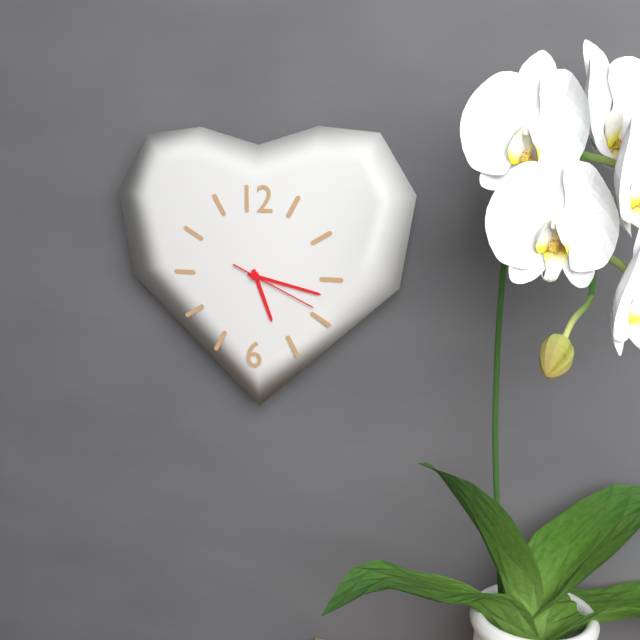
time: **5:17:19**
